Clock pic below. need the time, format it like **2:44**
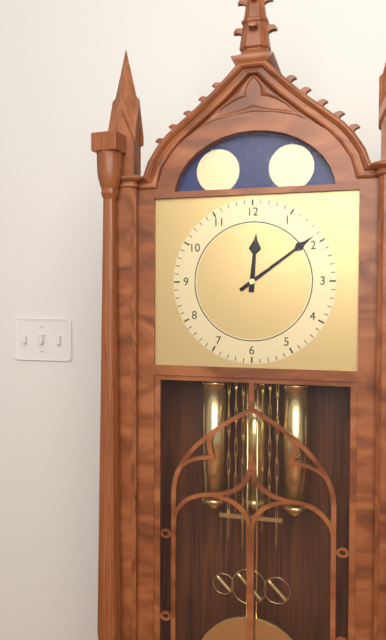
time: **12:09**
